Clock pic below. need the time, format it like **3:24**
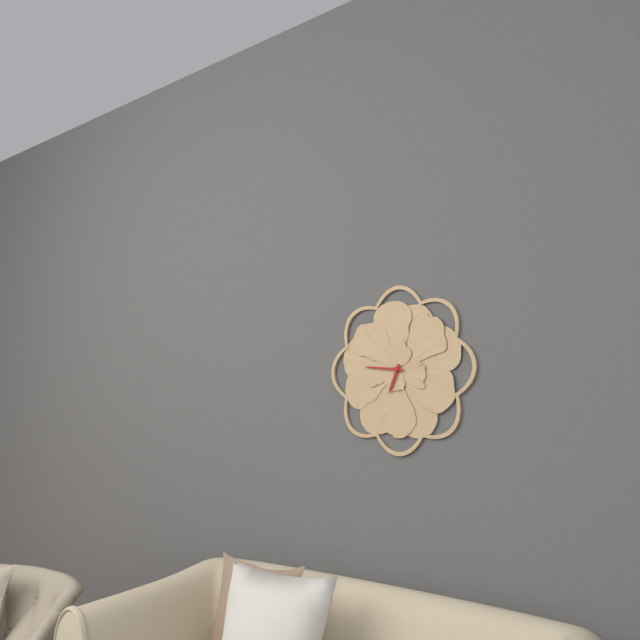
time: **6:46**
